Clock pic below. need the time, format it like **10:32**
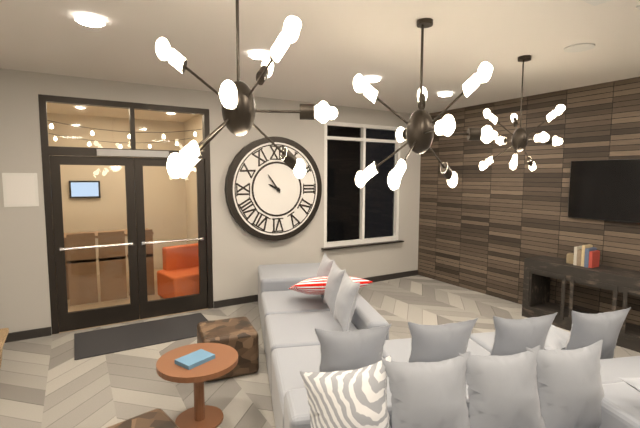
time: **9:54**
